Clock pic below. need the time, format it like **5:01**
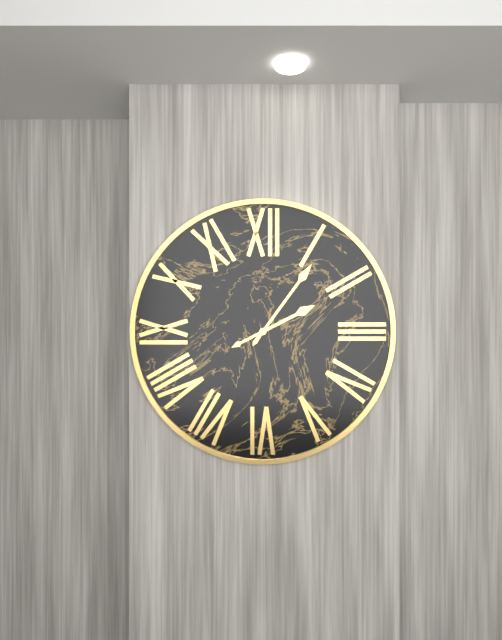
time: **2:06**
